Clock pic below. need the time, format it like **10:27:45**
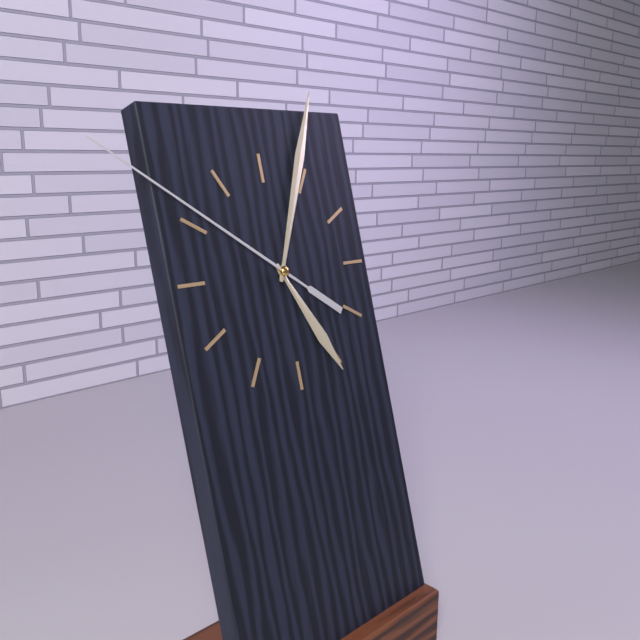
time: **5:04:51**
